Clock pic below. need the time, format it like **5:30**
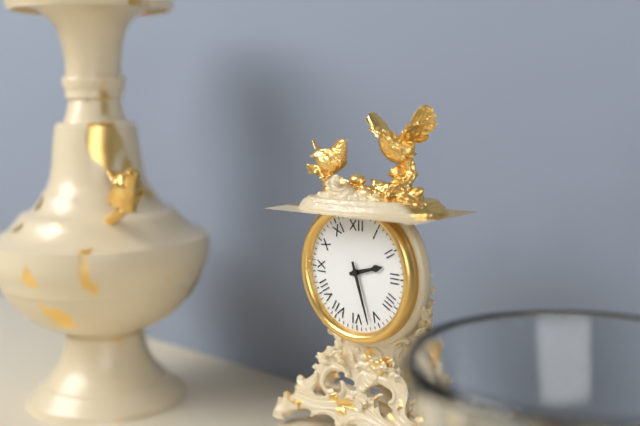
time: **2:27**
